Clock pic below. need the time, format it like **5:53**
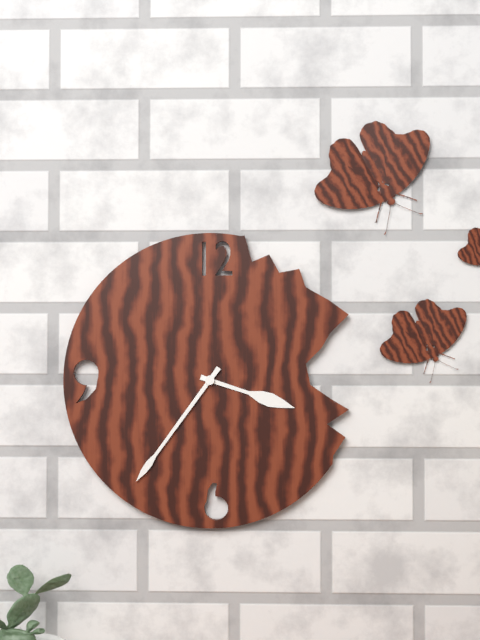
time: **3:36**
